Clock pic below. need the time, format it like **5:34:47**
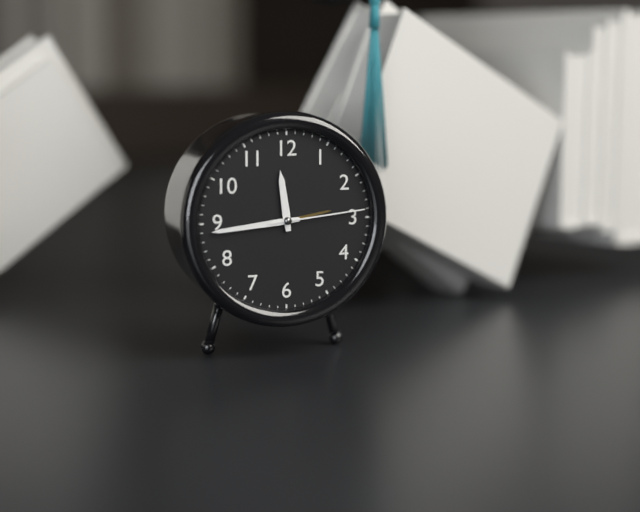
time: **11:44:14**
